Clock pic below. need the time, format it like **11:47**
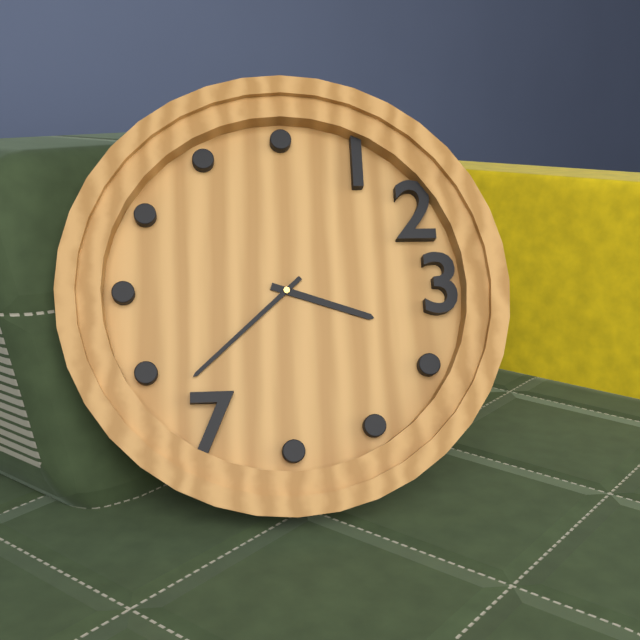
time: **3:38**
